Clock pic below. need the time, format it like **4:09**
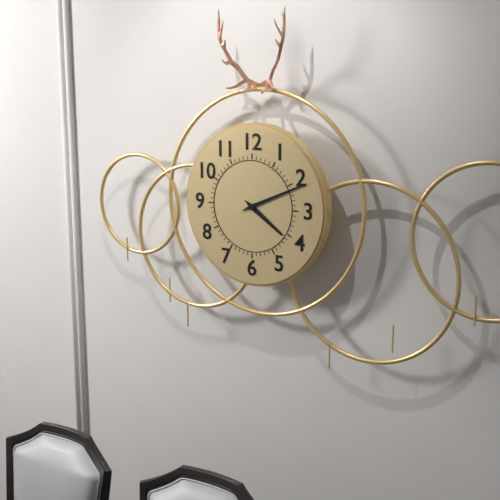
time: **4:11**
